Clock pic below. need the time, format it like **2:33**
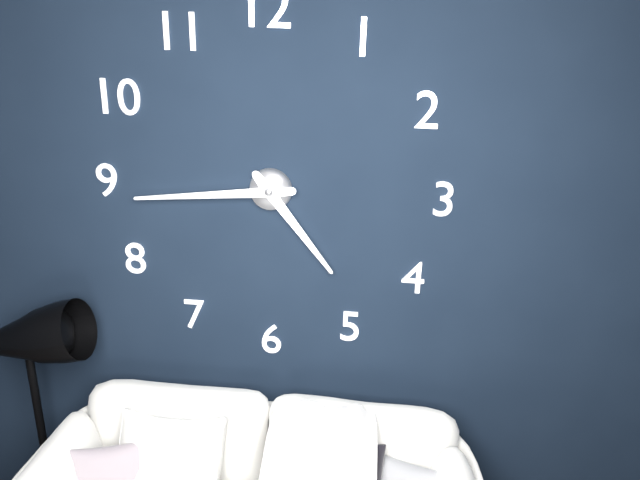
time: **4:44**
